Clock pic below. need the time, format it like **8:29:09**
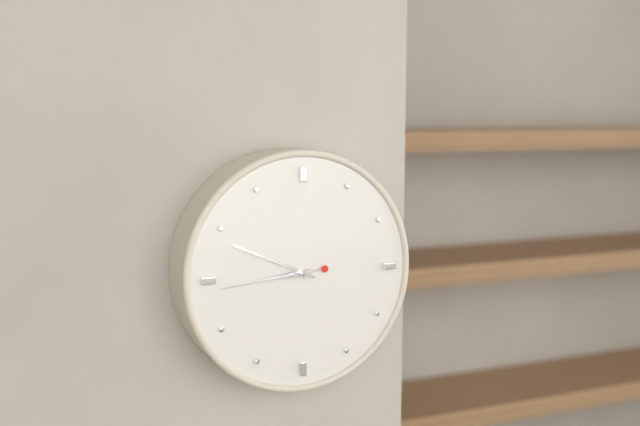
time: **8:49:44**
